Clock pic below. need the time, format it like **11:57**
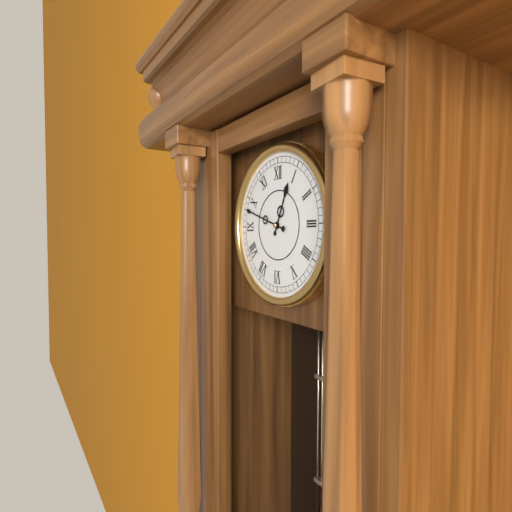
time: **12:48**
